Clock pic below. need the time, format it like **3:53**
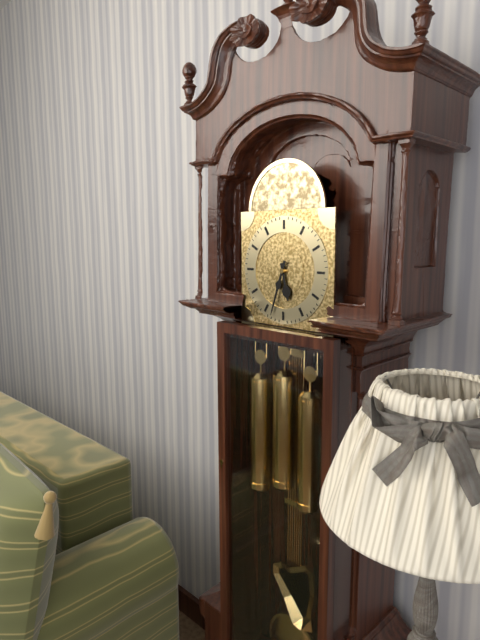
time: **5:33**
